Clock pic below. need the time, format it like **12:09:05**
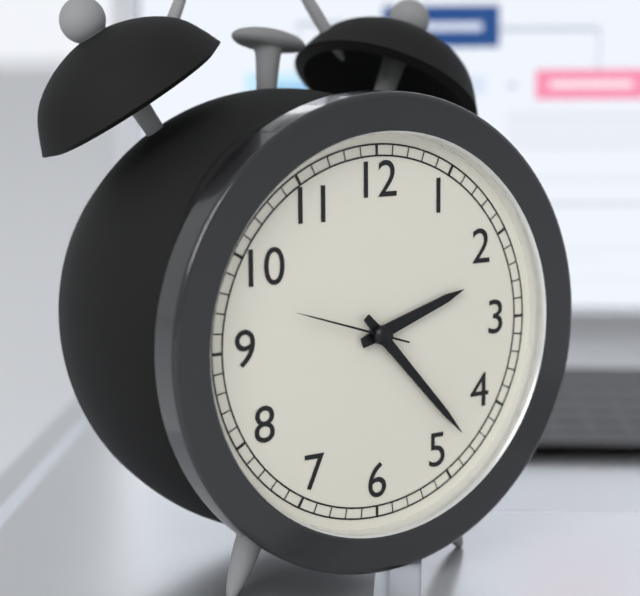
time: **2:23:48**
